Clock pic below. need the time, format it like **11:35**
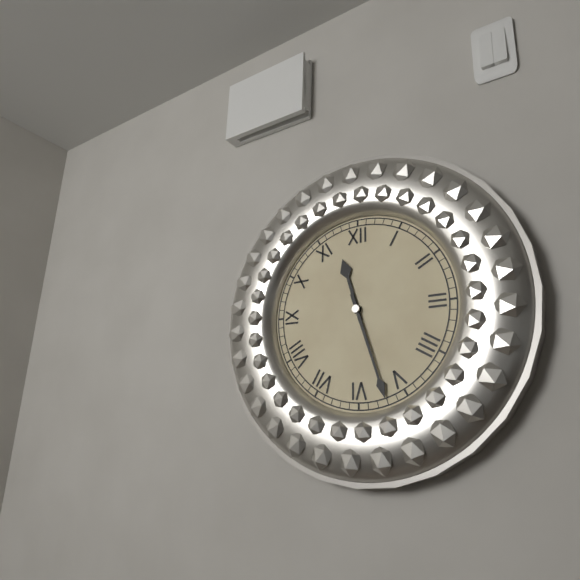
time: **11:27**
